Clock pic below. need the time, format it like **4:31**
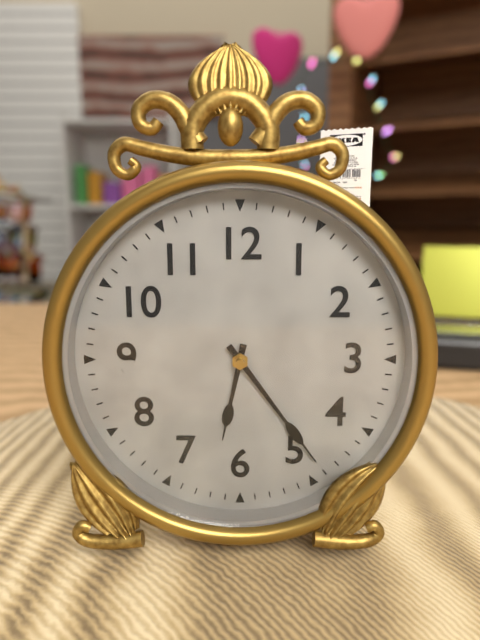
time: **6:24**
